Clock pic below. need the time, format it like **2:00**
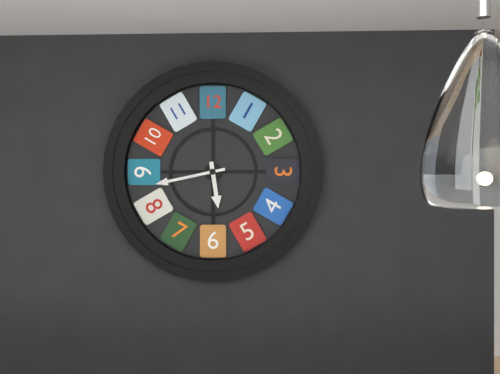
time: **5:43**
